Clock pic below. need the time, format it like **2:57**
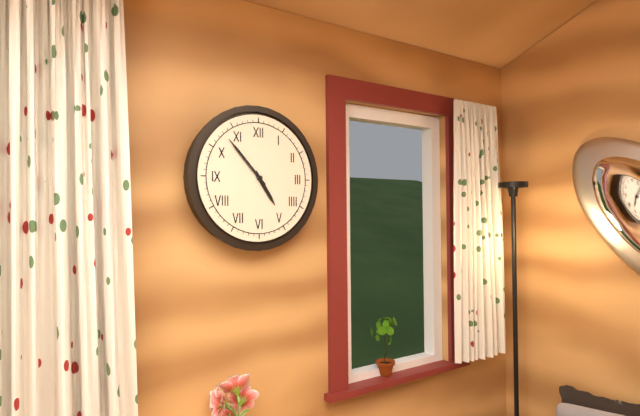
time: **4:53**
